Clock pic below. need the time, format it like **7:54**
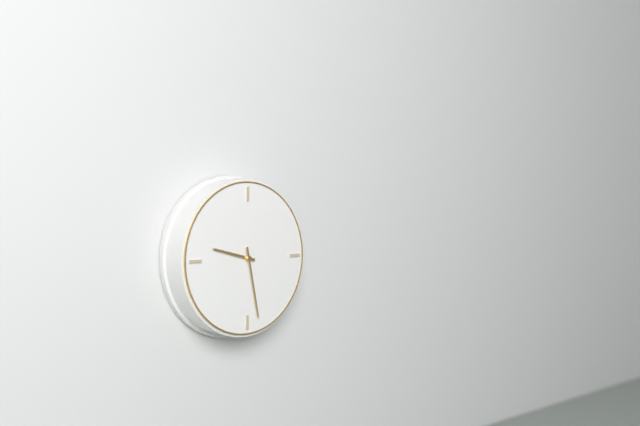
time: **9:28**
